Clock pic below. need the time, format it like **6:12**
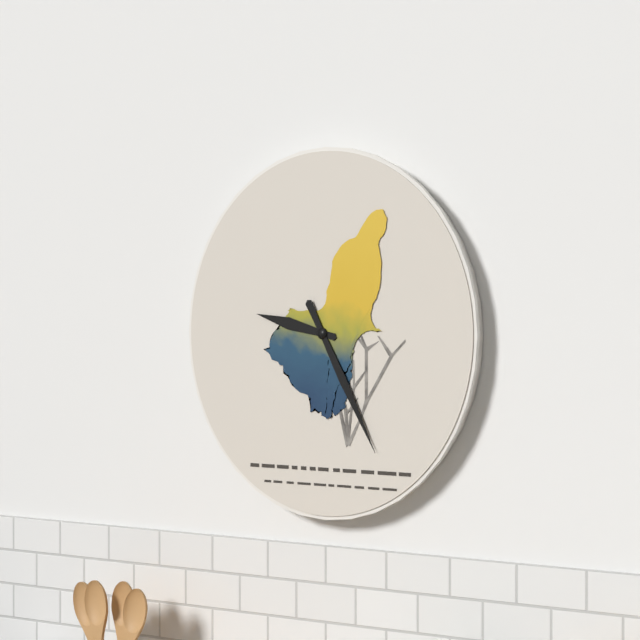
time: **9:25**
